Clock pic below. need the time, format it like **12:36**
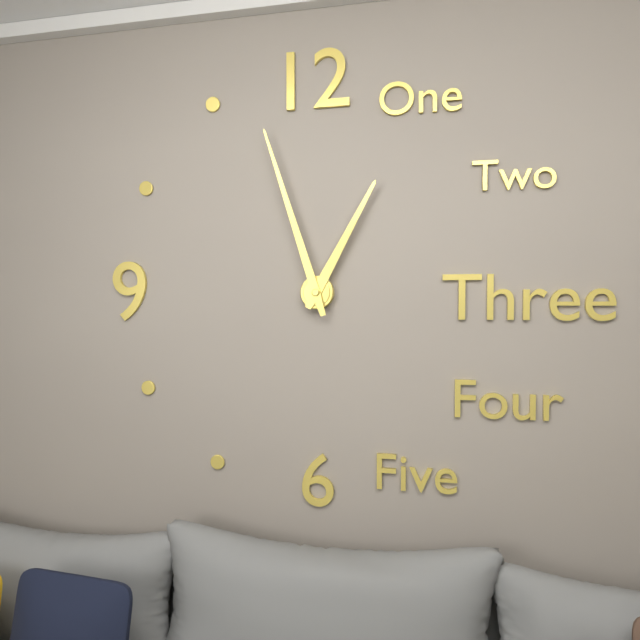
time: **12:57**
